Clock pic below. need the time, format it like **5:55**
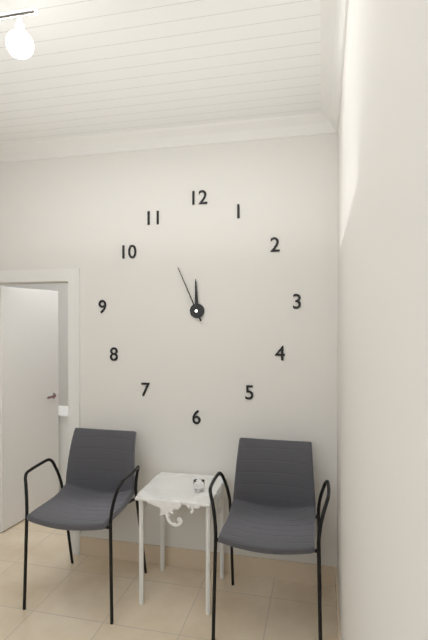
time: **11:56**
